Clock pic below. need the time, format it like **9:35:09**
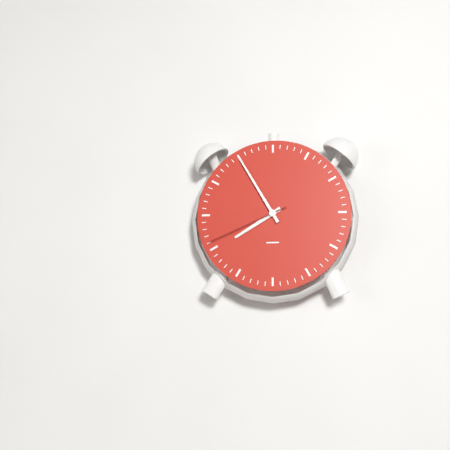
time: **7:55:41**
